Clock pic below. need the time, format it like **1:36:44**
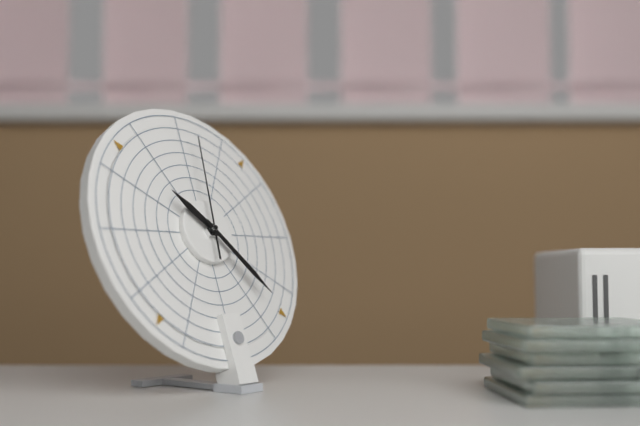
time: **10:23:01**
